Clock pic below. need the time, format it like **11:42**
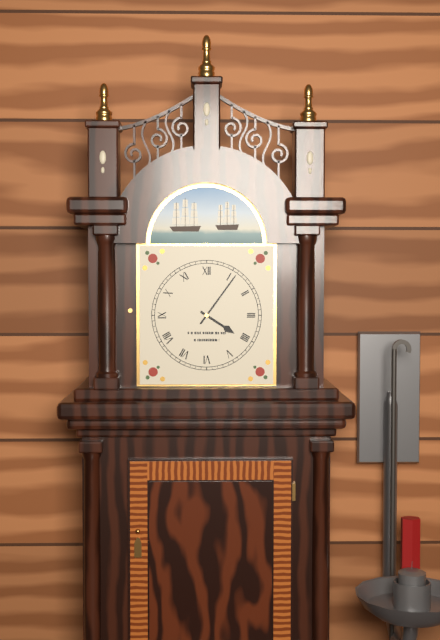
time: **4:06**
